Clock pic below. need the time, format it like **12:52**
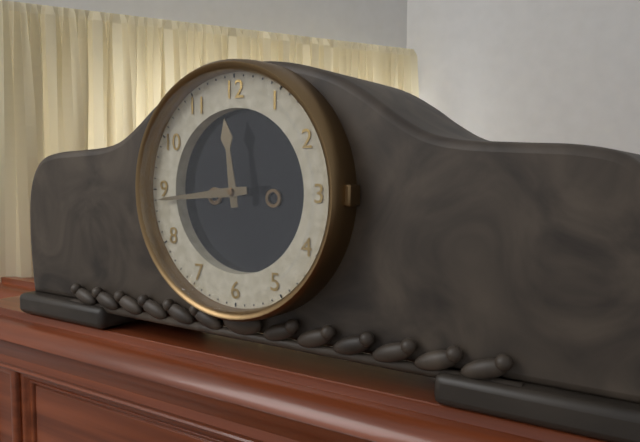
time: **11:44**
